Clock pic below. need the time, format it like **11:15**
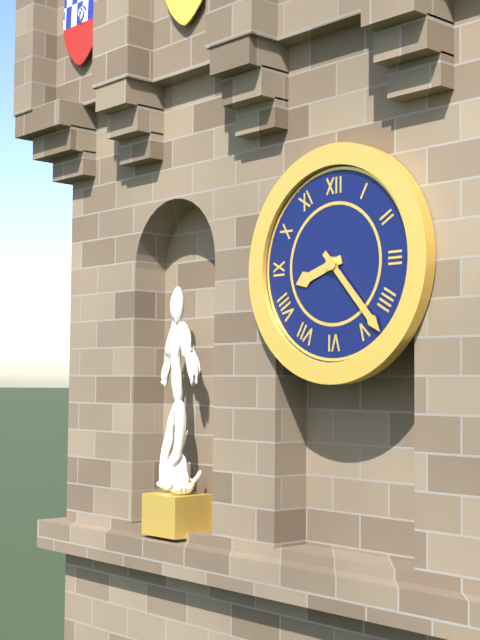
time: **8:23**
